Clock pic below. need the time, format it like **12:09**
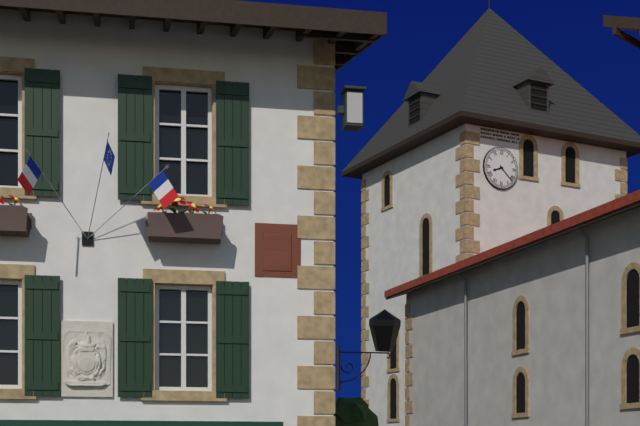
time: **8:22**
